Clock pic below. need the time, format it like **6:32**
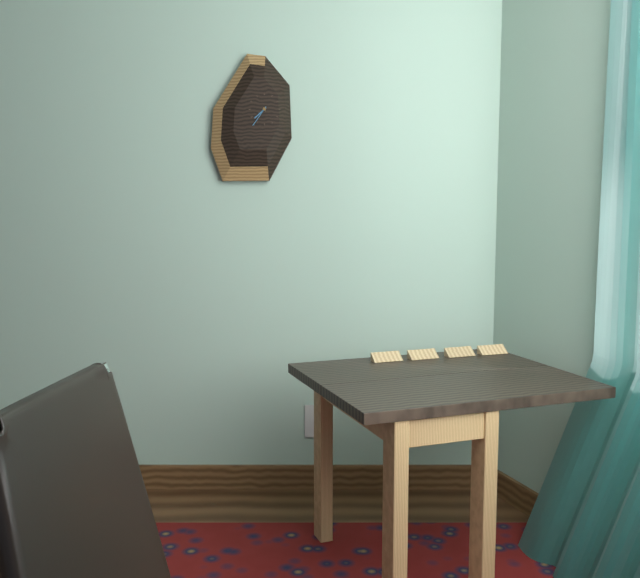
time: **7:36**
